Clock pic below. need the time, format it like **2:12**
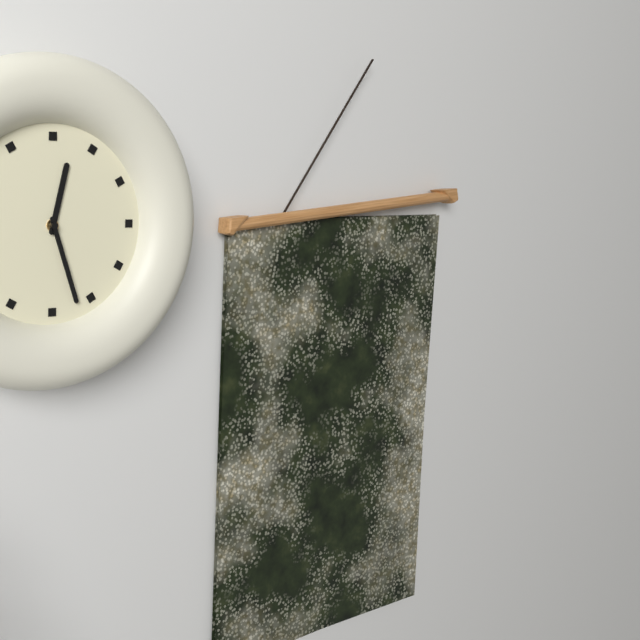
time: **12:27**
